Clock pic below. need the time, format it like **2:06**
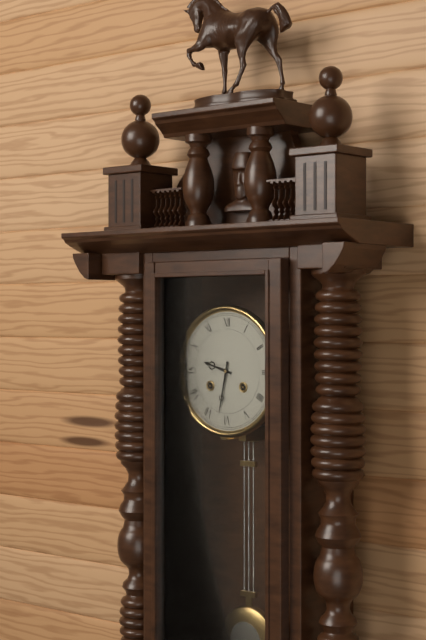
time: **9:32**
